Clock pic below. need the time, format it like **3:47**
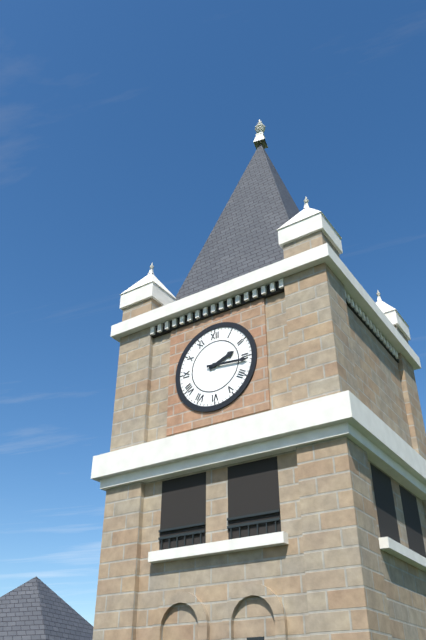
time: **2:16**
